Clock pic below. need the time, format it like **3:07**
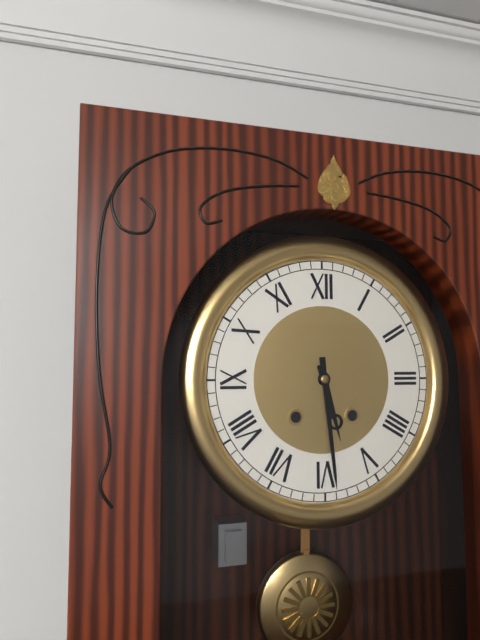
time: **5:29**
